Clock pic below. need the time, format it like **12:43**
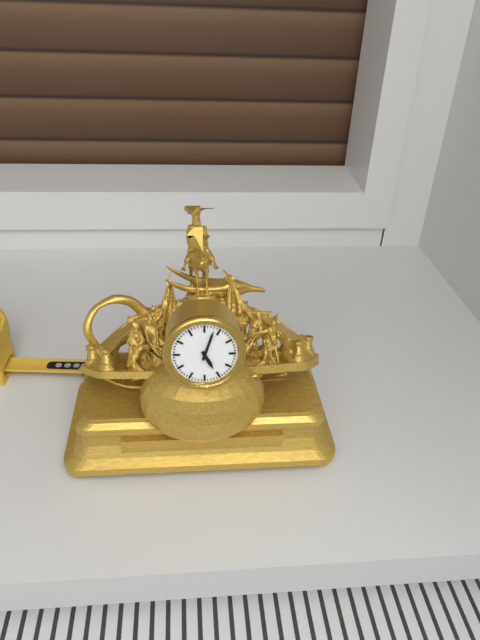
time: **5:03**
